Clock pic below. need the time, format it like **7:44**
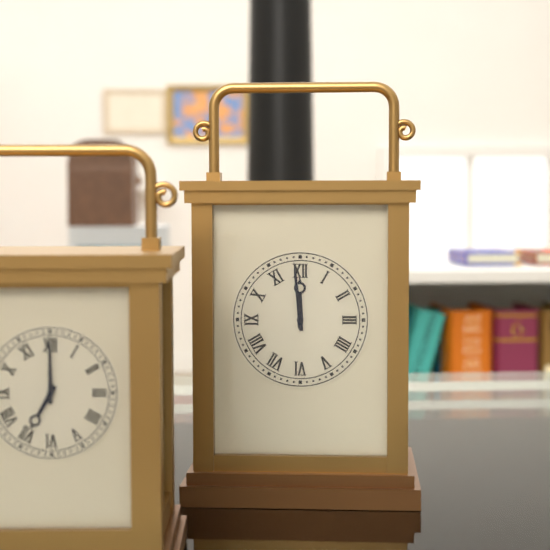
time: **11:59**
